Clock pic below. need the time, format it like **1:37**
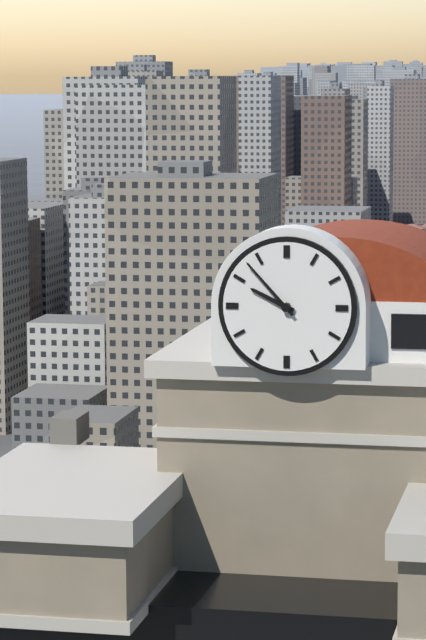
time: **9:53**
